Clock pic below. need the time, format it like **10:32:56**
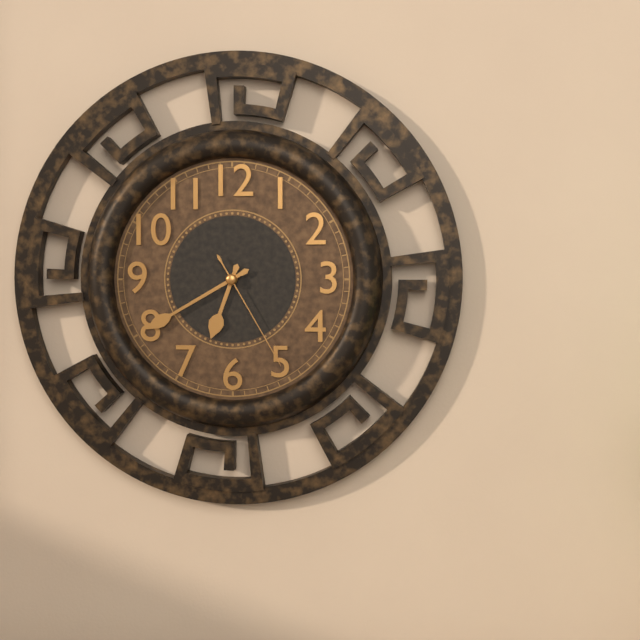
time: **6:40:25**
